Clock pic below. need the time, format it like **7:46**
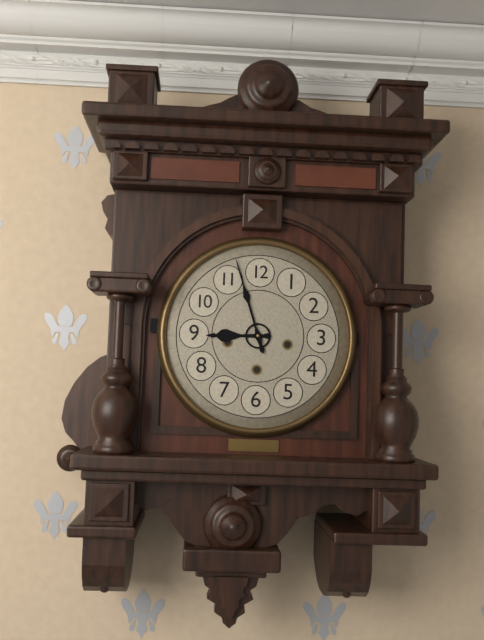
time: **8:57**
